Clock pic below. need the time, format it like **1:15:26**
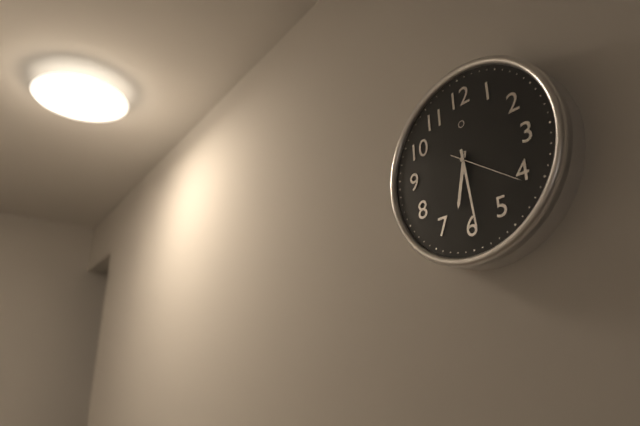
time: **6:29:21**
